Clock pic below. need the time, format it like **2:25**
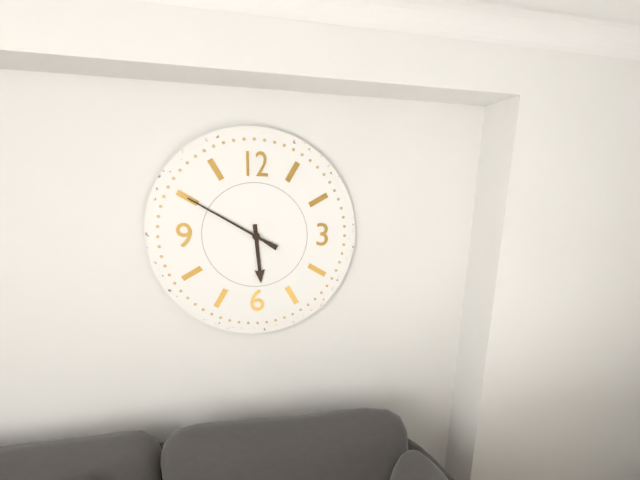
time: **5:50**
